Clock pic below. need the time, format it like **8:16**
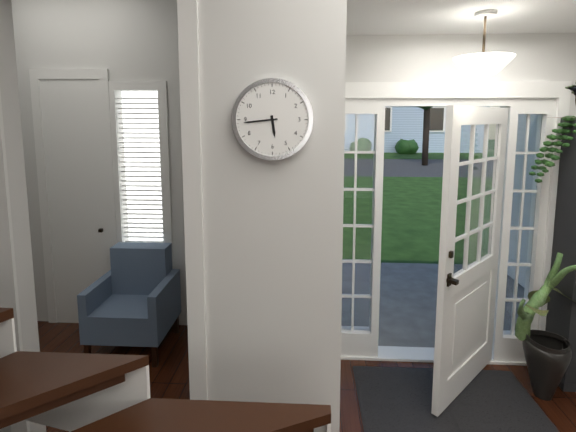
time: **5:44**
